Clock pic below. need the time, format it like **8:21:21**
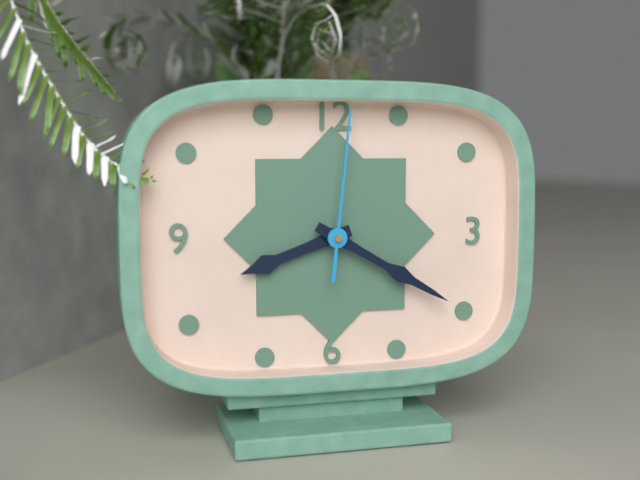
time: **8:20:01**
